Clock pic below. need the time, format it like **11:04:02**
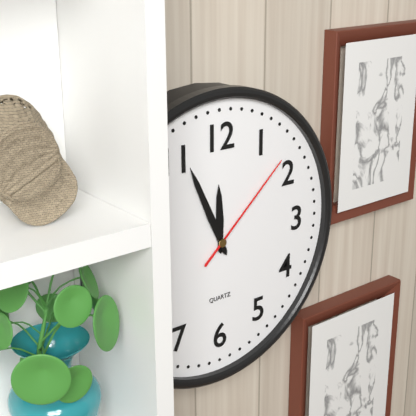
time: **11:56:08**
